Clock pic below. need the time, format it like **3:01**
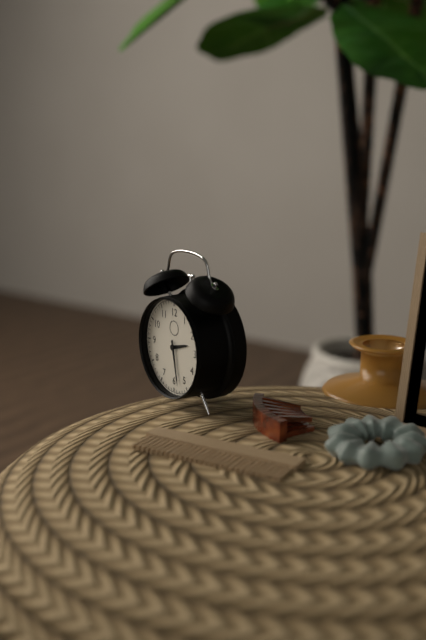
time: **2:28**
